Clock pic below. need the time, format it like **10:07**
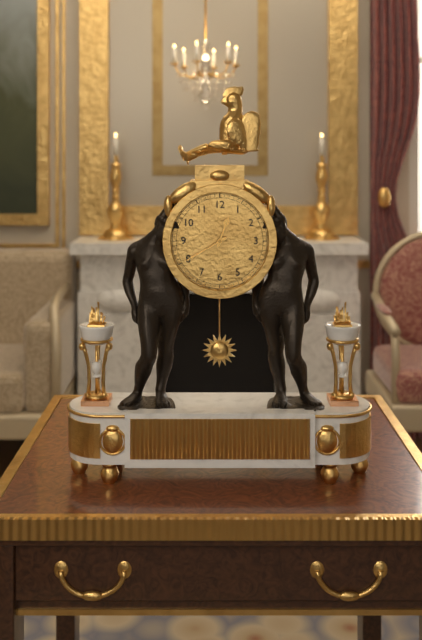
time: **12:40**
